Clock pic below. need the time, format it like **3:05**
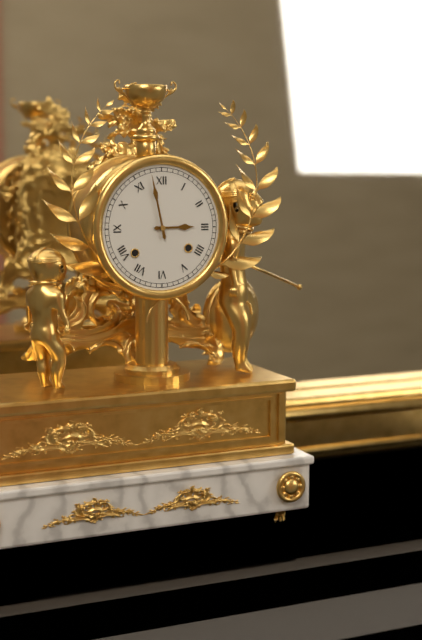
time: **2:58**
